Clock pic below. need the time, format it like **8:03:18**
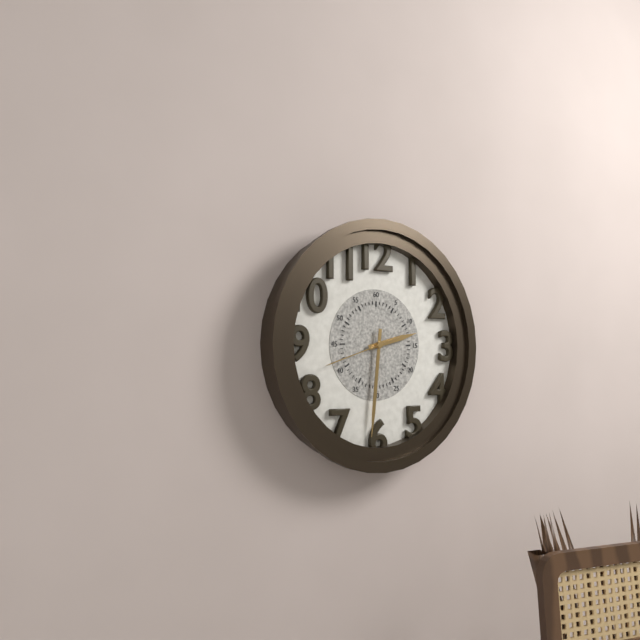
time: **2:31:42**
